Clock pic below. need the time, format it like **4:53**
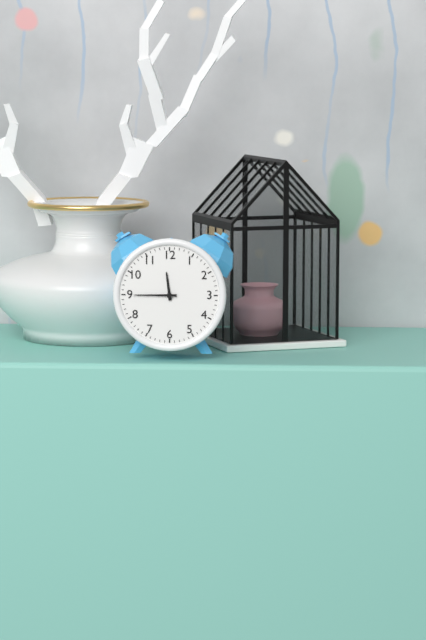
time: **11:45**
